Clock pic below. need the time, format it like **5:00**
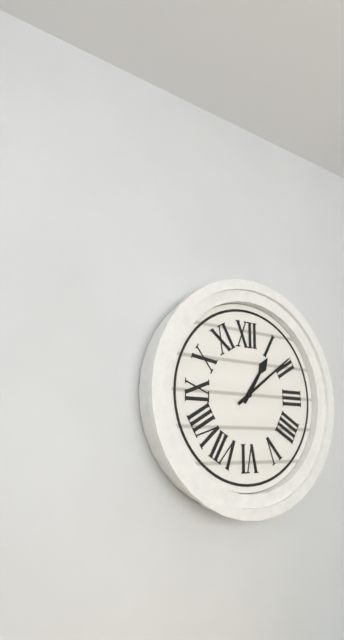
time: **1:09**
